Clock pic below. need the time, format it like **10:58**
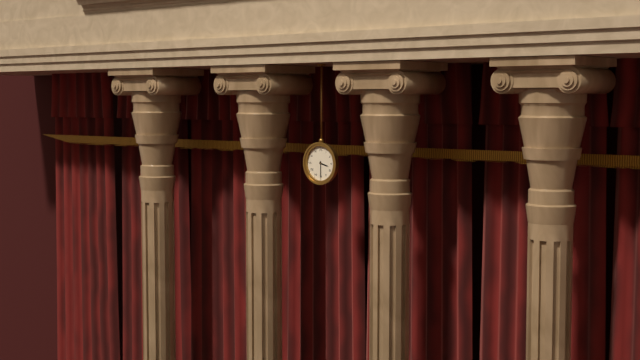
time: **3:30**
